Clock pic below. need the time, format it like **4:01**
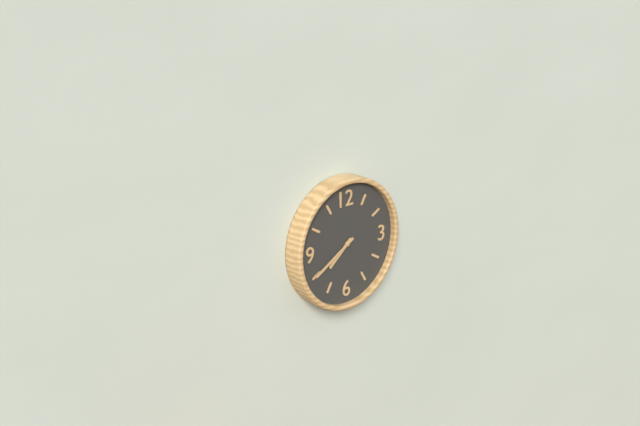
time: **7:40**
